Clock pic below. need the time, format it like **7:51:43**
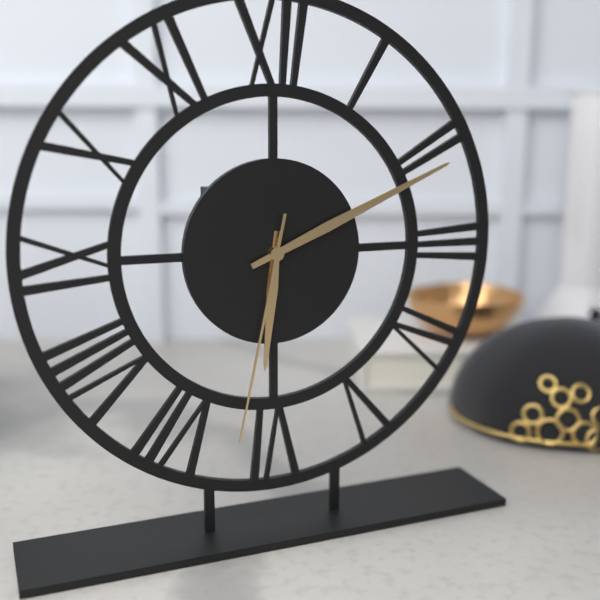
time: **6:11:32**
